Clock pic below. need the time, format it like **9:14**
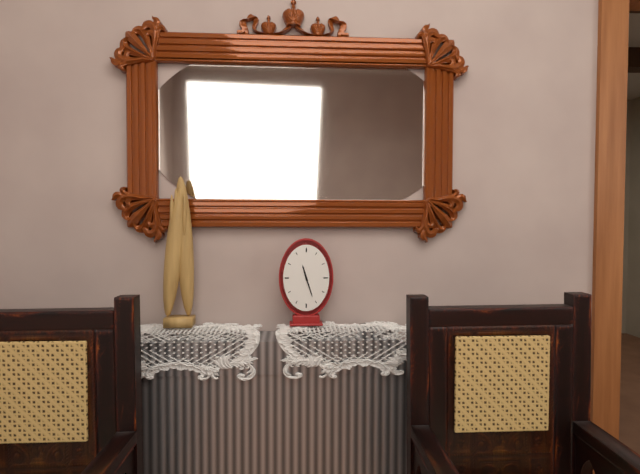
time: **11:27**
